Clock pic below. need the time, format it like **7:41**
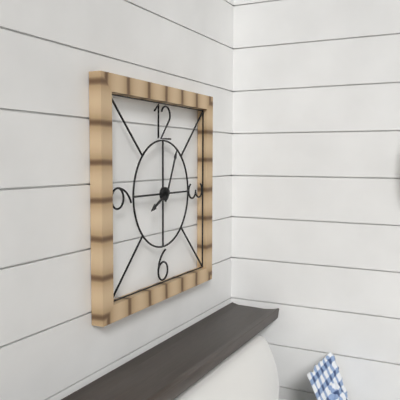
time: **8:04**
